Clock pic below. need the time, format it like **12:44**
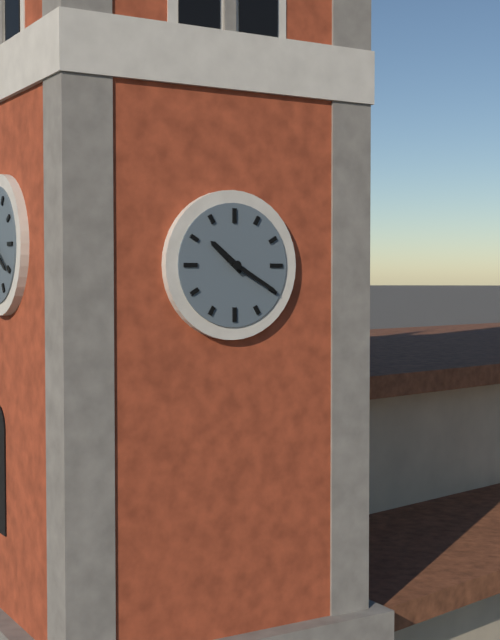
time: **10:20**
